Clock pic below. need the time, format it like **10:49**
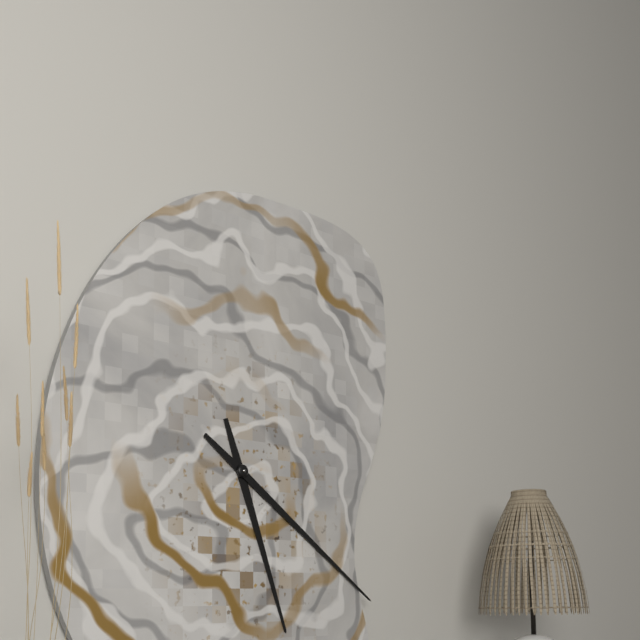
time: **5:21**
